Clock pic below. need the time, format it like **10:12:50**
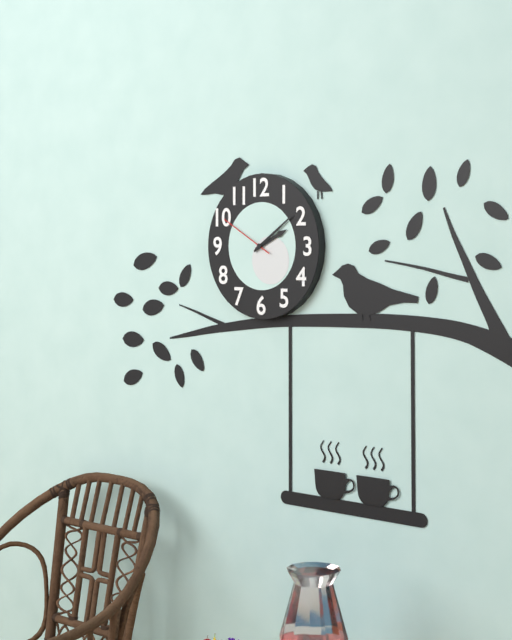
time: **2:09:50**
